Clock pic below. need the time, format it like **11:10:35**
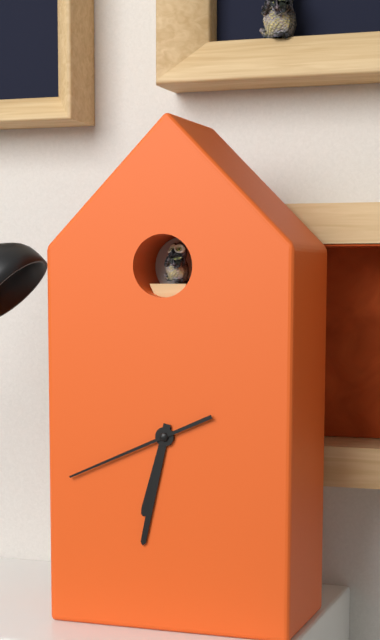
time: **6:32:41**
